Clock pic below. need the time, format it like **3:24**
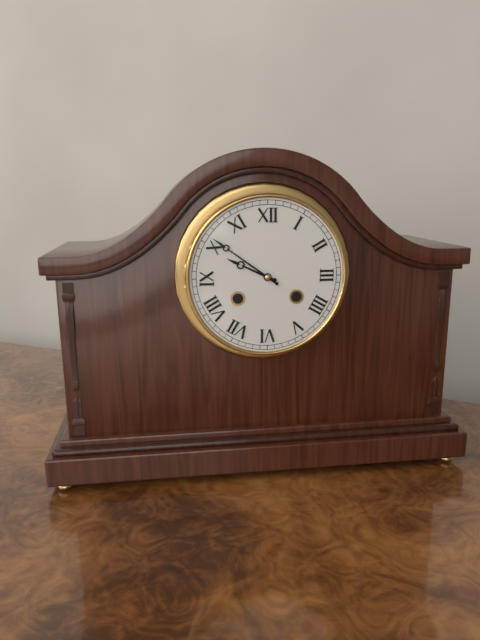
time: **9:51**
